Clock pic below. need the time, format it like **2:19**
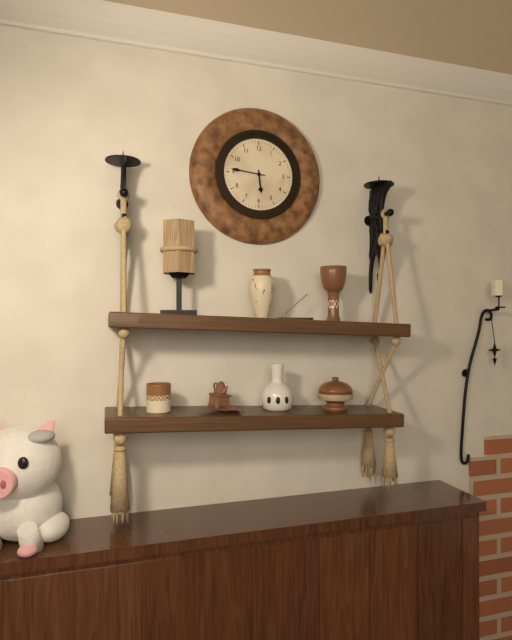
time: **5:46**
